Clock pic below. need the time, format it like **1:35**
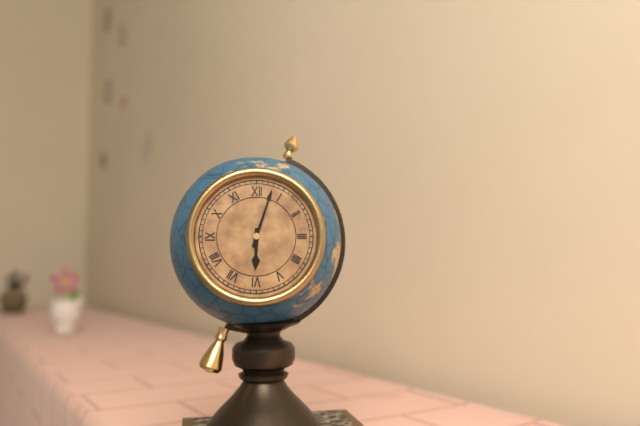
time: **6:03**
